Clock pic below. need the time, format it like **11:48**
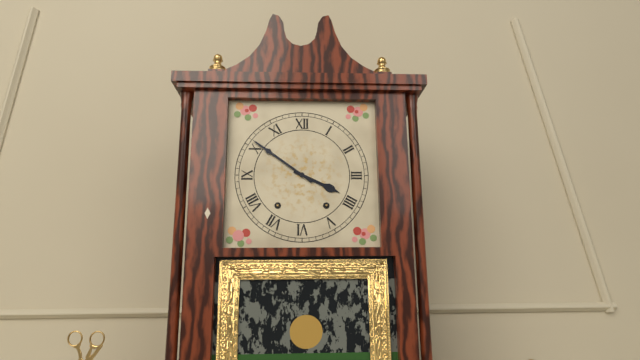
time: **3:51**
